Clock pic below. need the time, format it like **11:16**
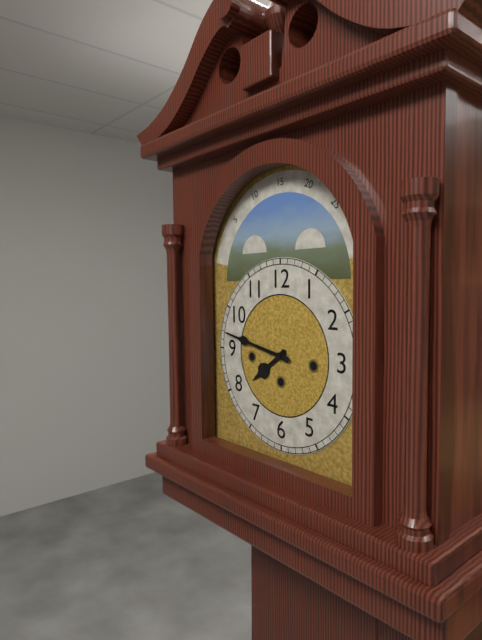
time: **7:47**
